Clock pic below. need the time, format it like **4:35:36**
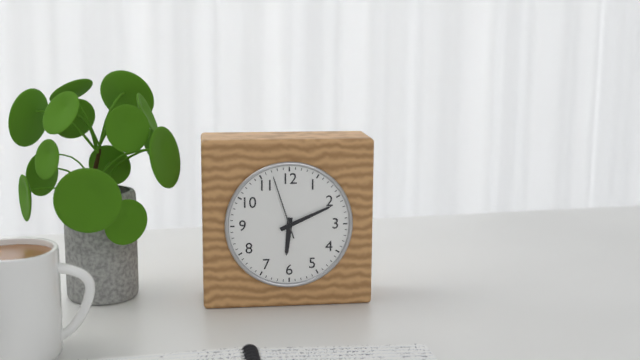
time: **6:11:57**
